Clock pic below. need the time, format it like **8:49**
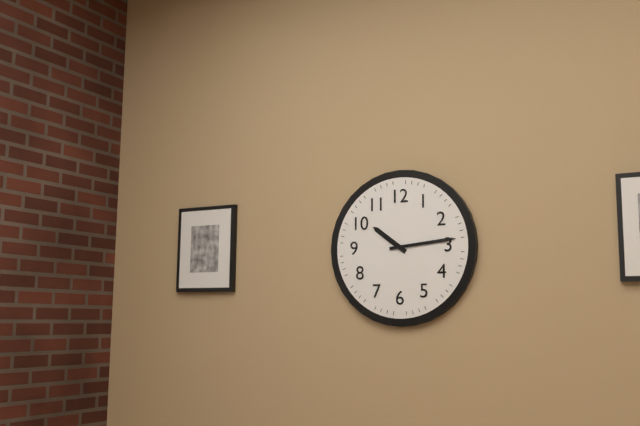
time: **10:14**
